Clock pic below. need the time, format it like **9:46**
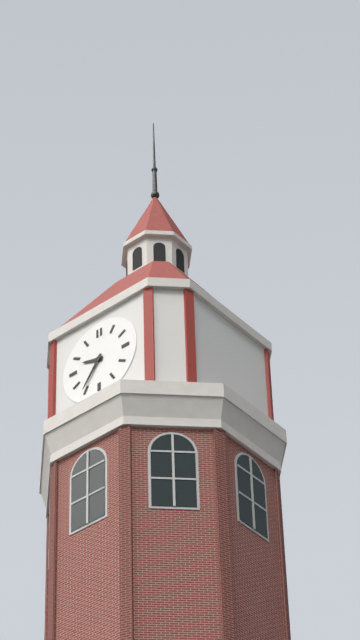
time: **9:36**
